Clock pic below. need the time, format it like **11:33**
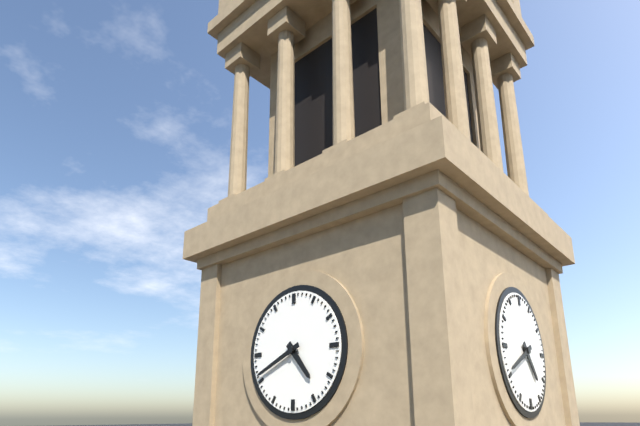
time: **4:41**
